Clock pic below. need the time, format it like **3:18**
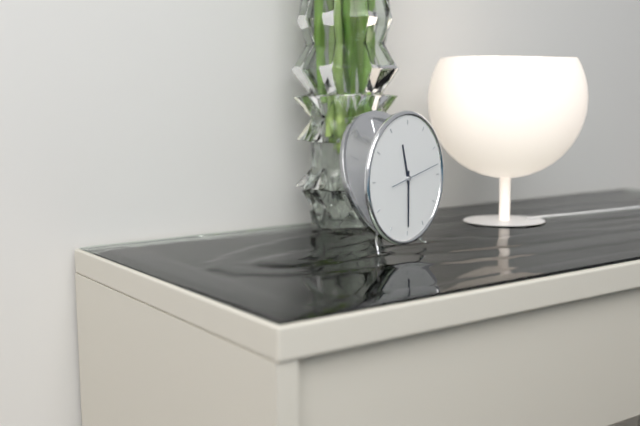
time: **11:30**
